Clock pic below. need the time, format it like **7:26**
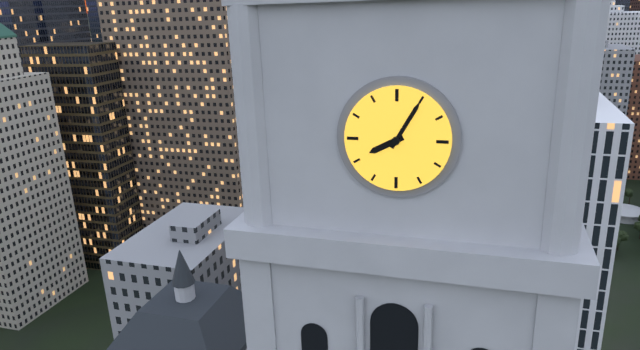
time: **8:05**
